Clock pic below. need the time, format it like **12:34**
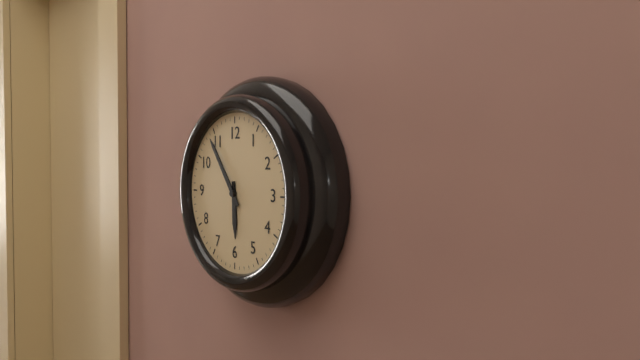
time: **5:54**
